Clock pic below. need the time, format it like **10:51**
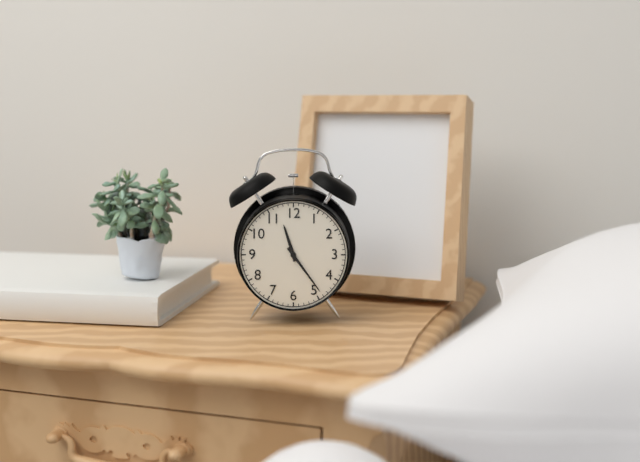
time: **11:24**
